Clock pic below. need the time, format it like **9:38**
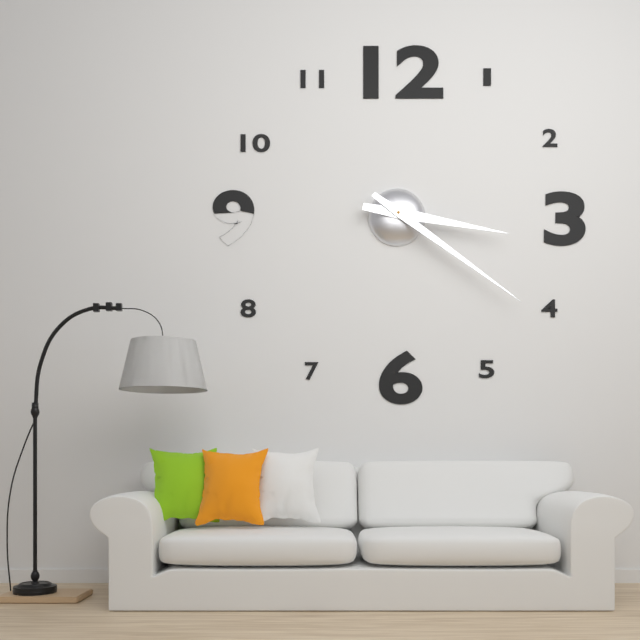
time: **3:21**
